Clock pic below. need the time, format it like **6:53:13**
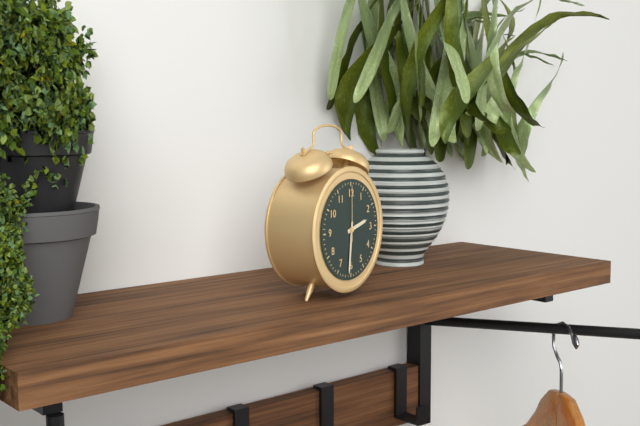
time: **2:31:00**
